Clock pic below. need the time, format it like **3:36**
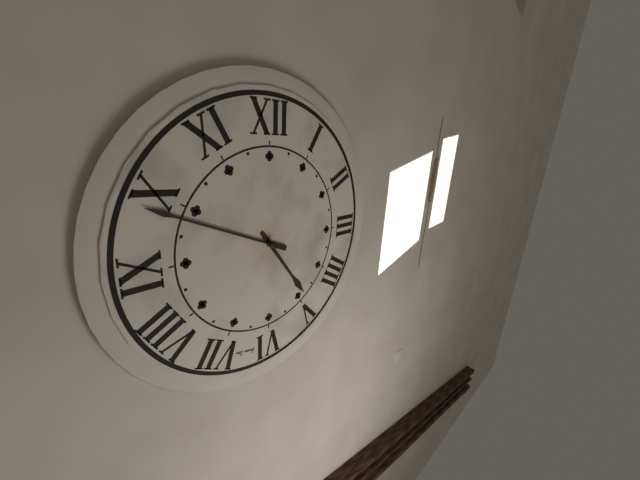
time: **4:49**
